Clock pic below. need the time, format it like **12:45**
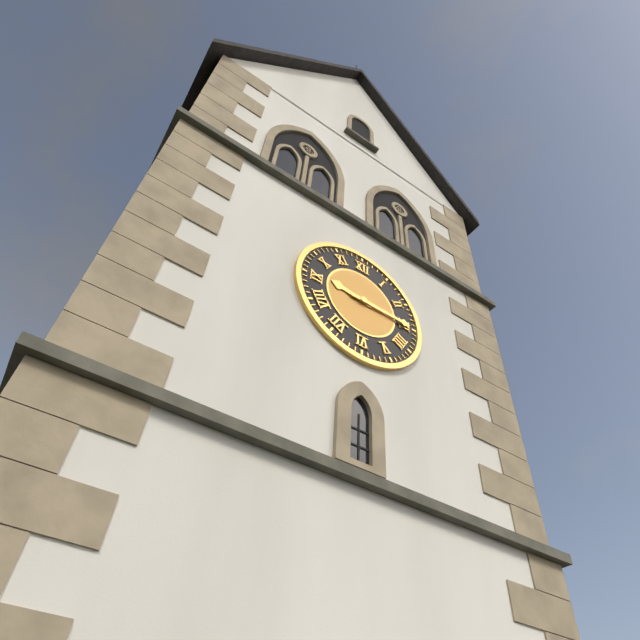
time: **9:15**
